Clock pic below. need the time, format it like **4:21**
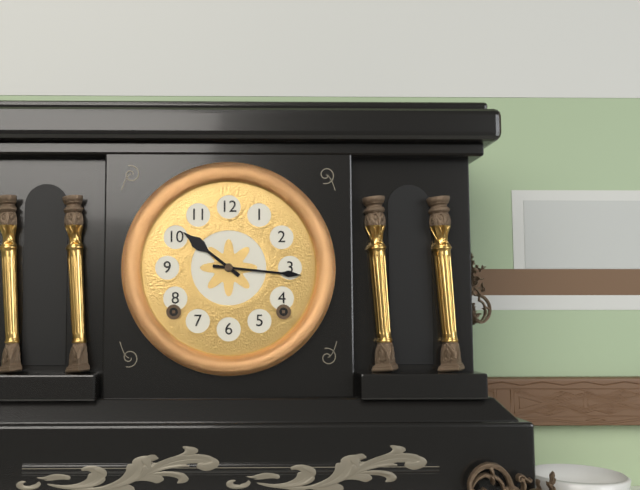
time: **10:16**
